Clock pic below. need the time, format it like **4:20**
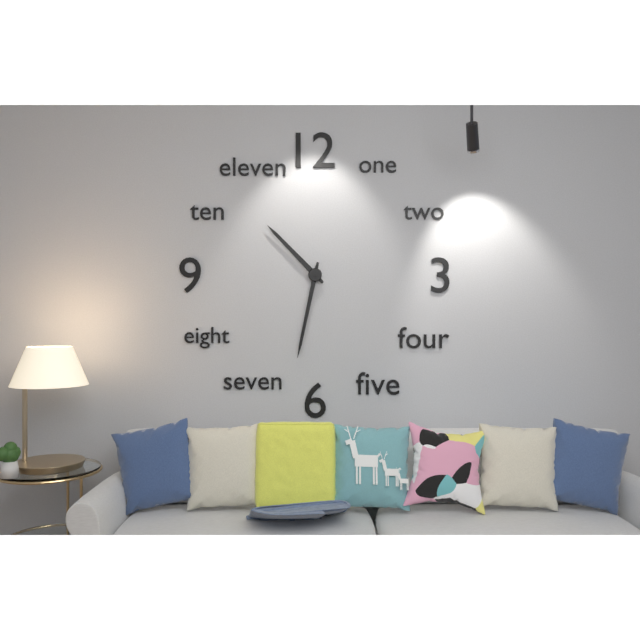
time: **10:32**
